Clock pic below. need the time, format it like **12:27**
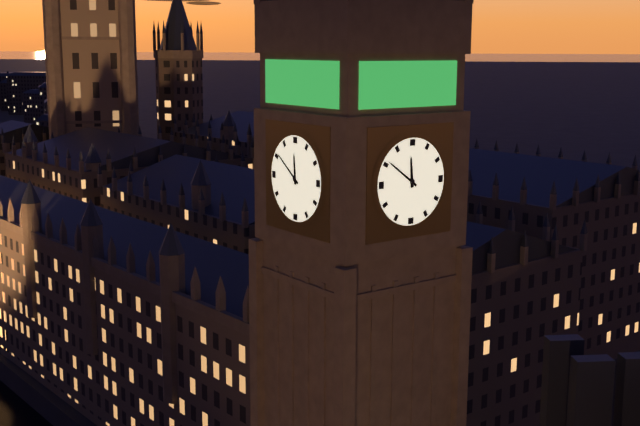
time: **11:51**
